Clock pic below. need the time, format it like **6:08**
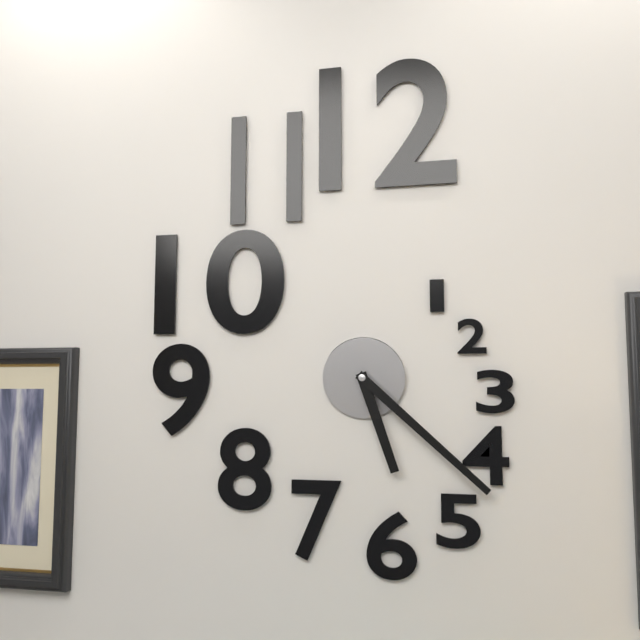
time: **5:22**
